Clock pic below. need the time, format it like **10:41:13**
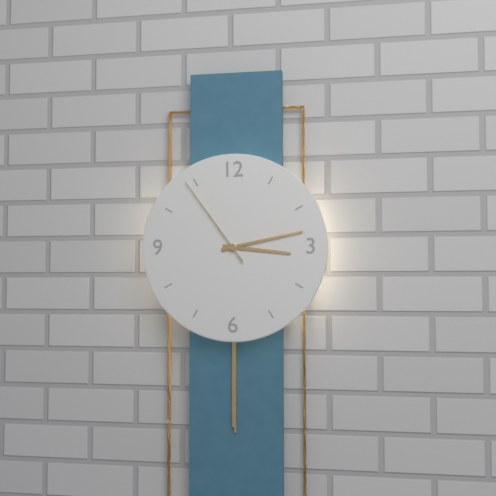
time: **3:13:54**
